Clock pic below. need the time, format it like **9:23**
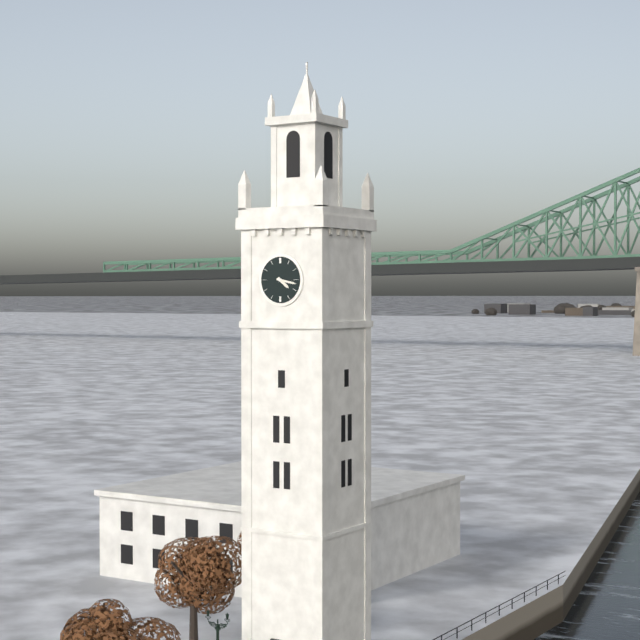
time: **4:17**
